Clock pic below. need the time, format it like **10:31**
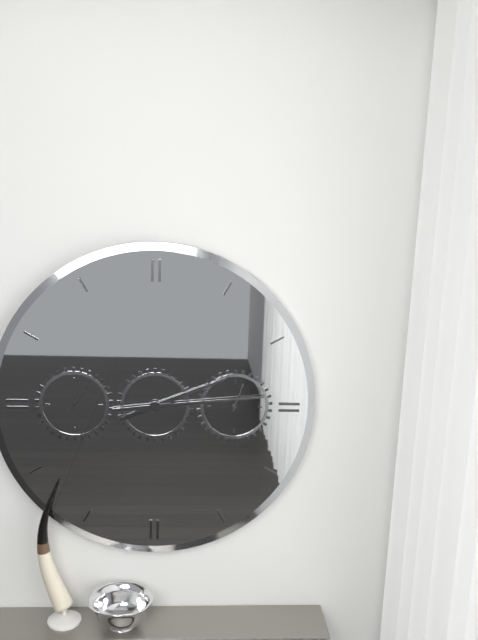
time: **2:14**
